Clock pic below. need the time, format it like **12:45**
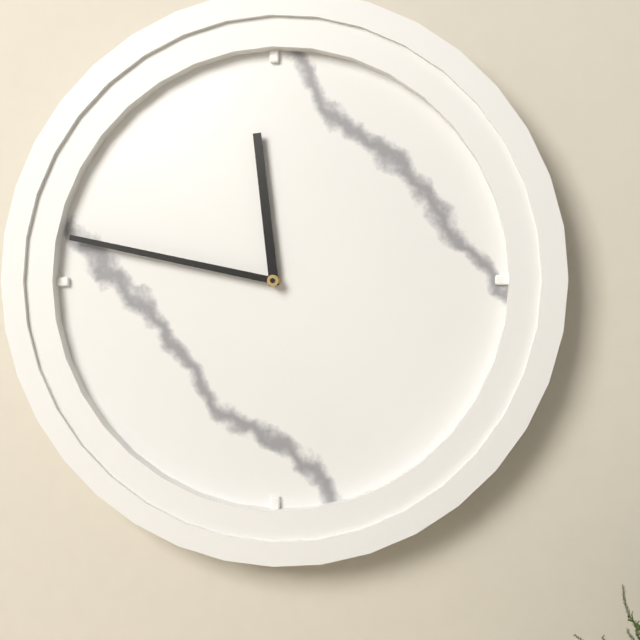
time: **11:47**
